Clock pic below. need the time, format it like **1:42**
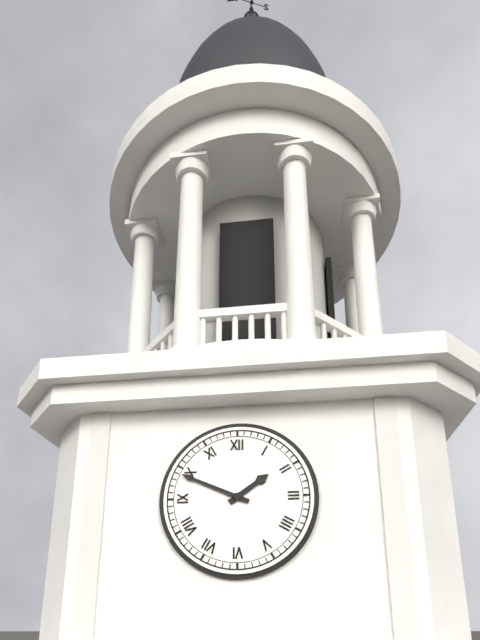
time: **1:49**
